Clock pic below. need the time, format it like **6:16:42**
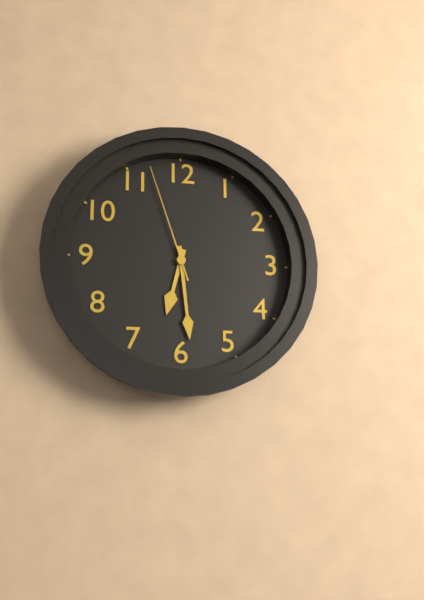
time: **6:29:57**
